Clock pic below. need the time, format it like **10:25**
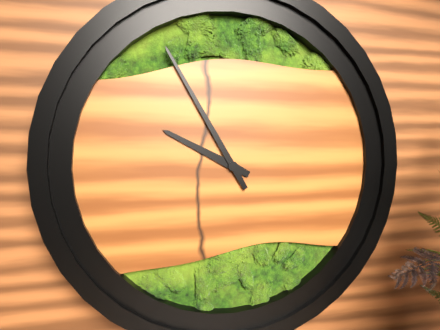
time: **9:55**
